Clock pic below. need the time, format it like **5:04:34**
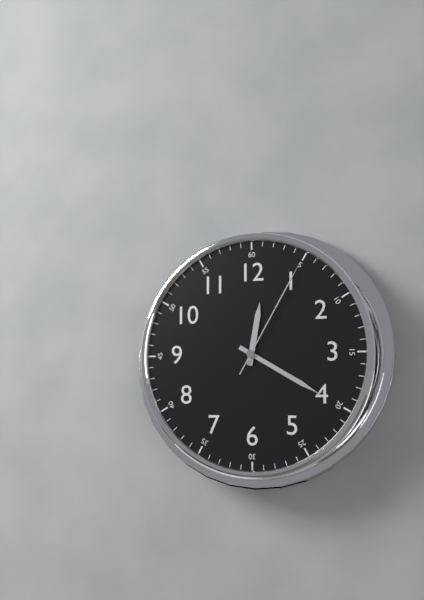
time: **12:20:05**
